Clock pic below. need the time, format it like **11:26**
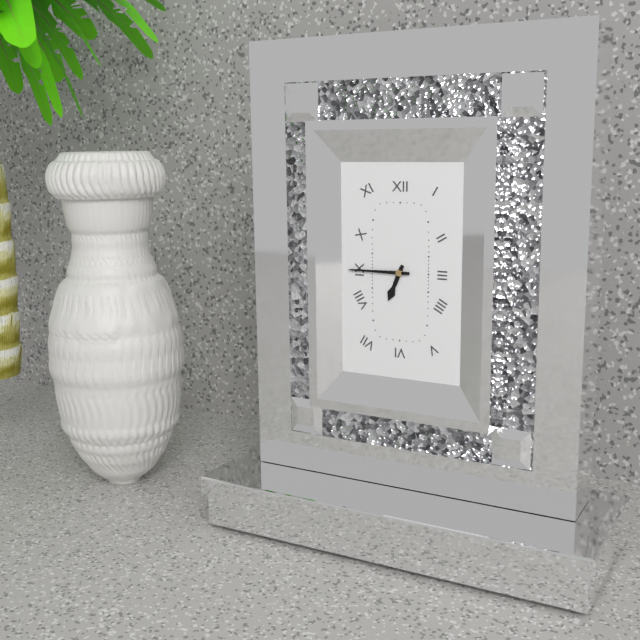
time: **6:45**
